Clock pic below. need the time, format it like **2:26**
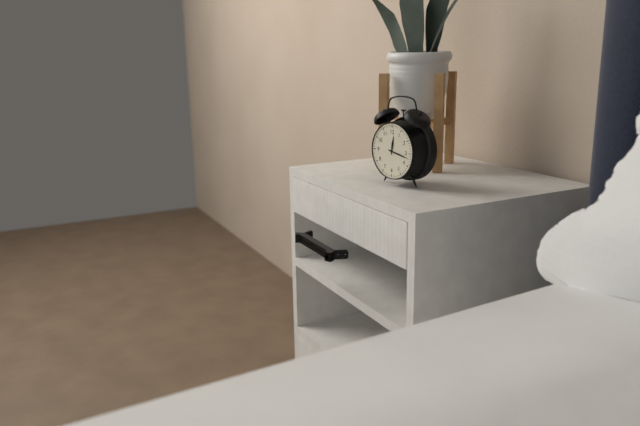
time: **12:17**
